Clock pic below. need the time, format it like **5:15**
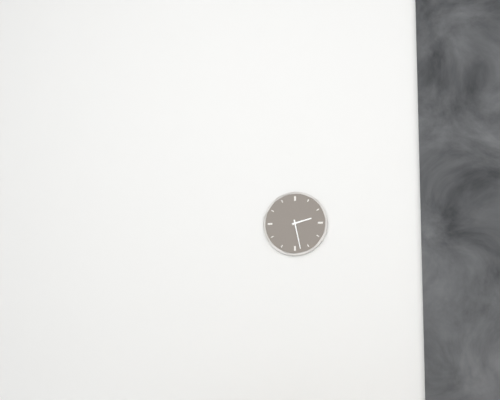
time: **2:28**
